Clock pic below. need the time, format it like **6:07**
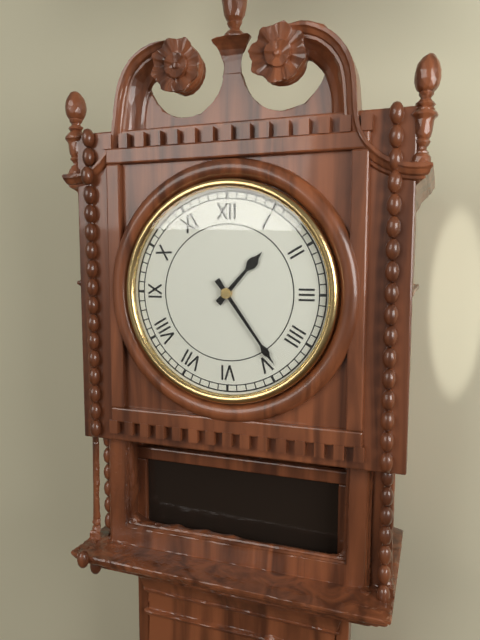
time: **1:24**
